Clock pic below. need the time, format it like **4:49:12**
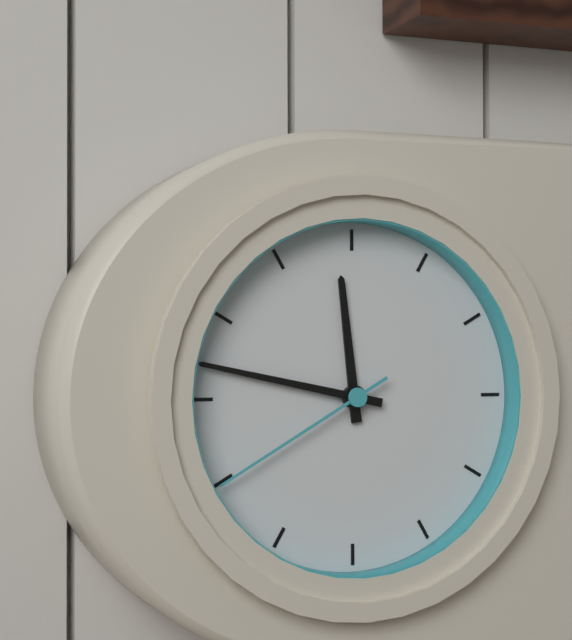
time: **11:47:40**
